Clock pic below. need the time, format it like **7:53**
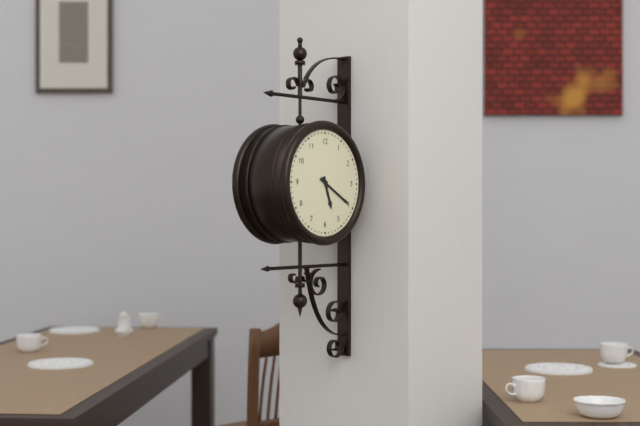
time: **5:20**
